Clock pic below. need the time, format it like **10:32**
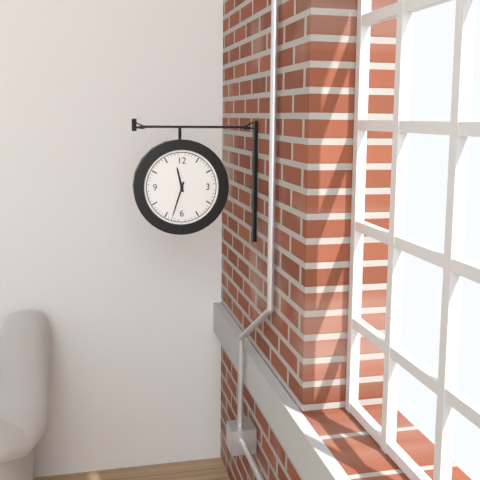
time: **11:33**
